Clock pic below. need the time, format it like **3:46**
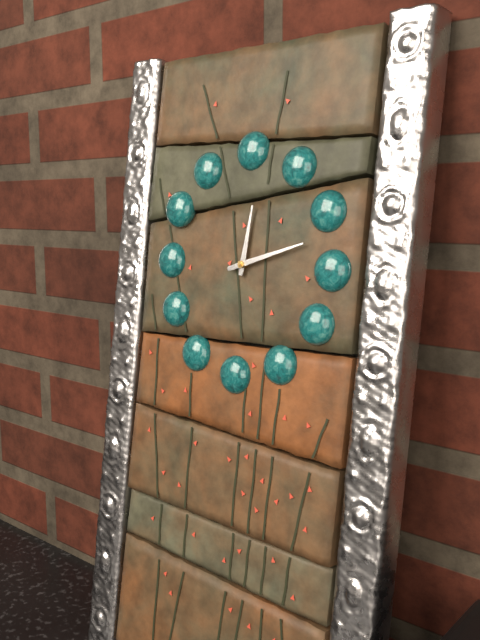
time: **12:12**
